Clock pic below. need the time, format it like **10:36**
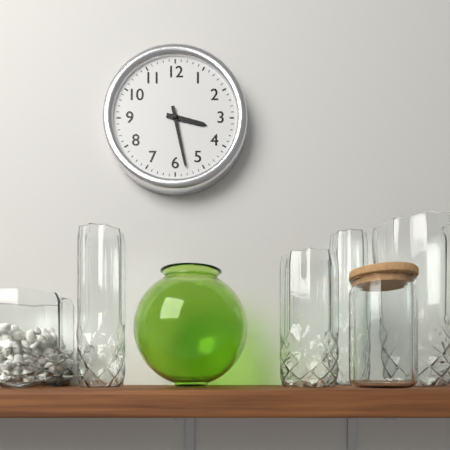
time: **3:28**
